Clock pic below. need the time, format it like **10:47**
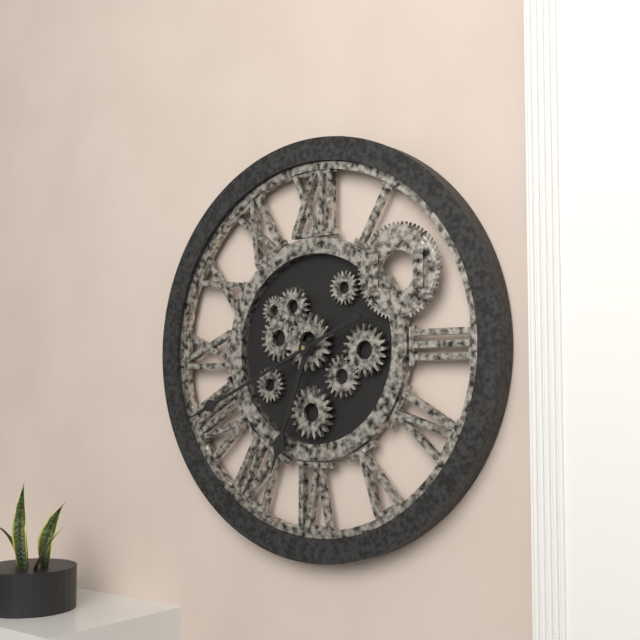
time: **6:41**
